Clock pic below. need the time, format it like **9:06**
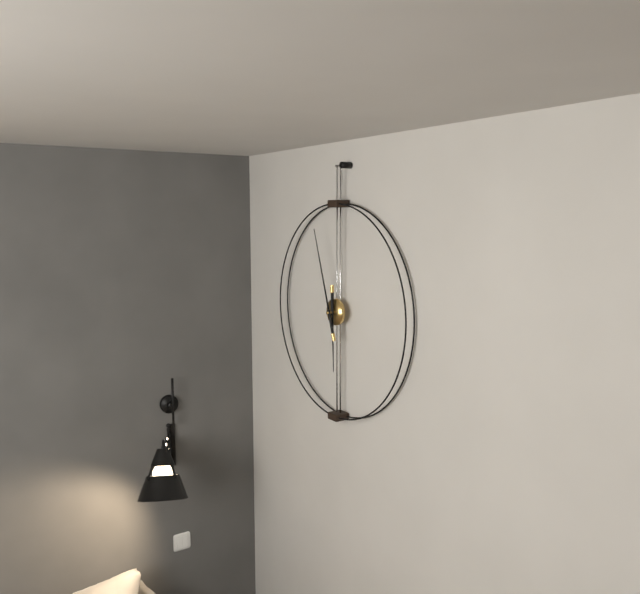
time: **5:57**
